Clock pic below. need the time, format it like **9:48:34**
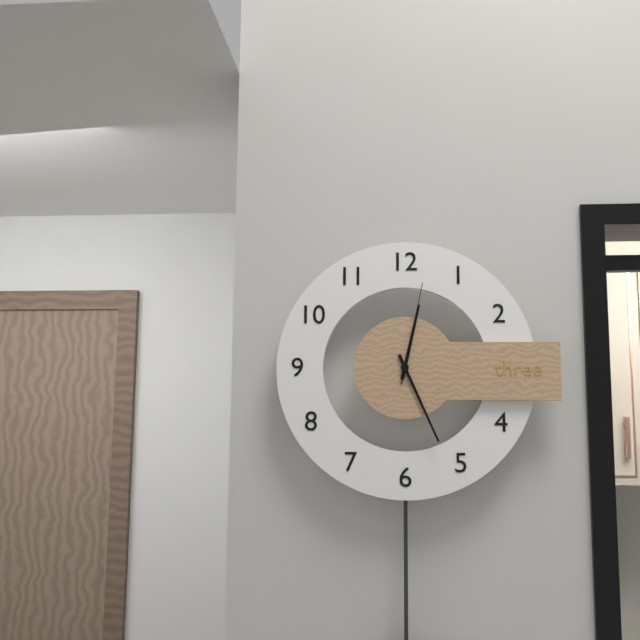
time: **12:26:02**
